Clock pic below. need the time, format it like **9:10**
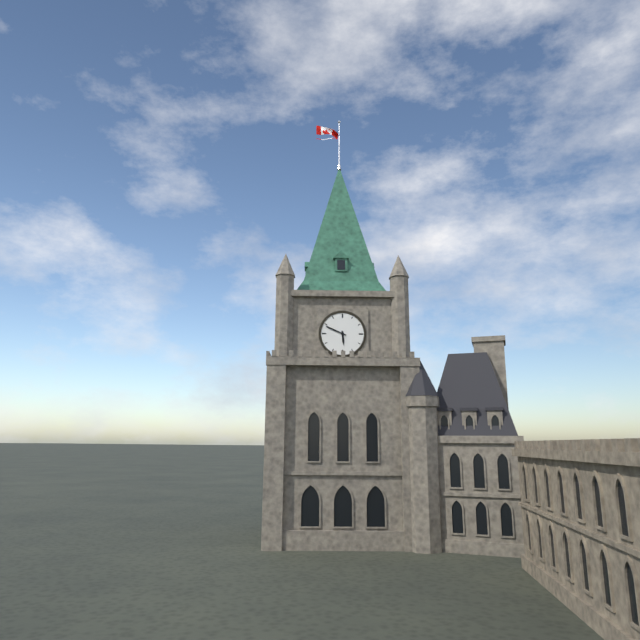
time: **5:49**
